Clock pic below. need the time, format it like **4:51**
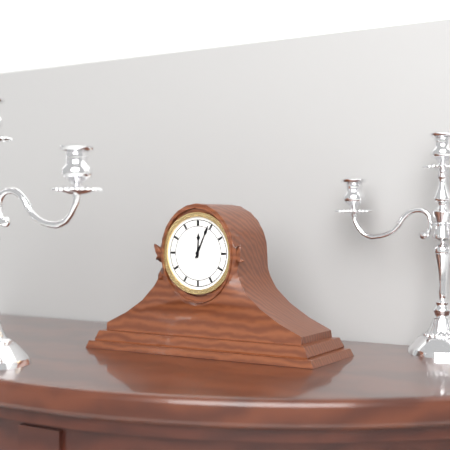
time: **12:04**
